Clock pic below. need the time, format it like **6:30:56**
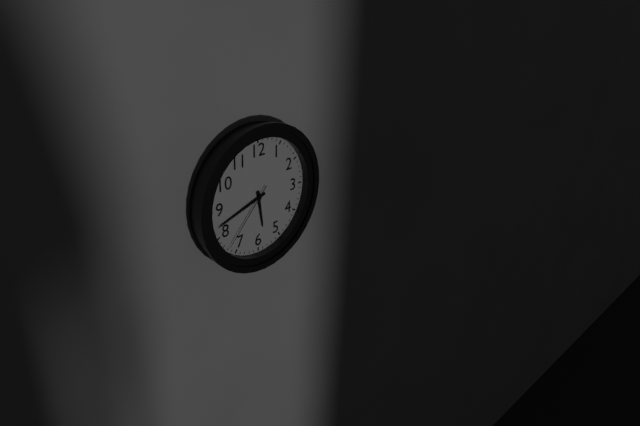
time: **5:42:37**
